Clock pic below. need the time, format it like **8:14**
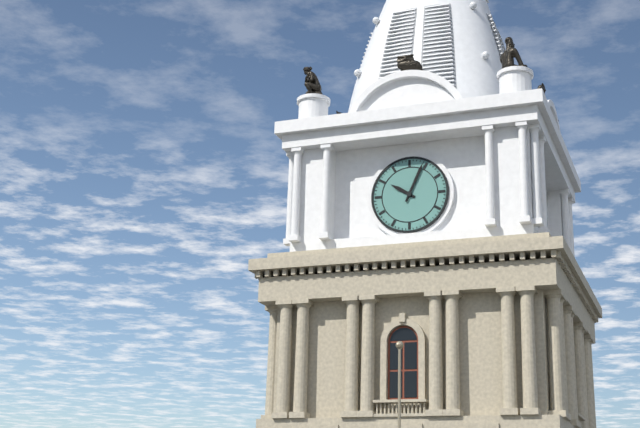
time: **10:04**
